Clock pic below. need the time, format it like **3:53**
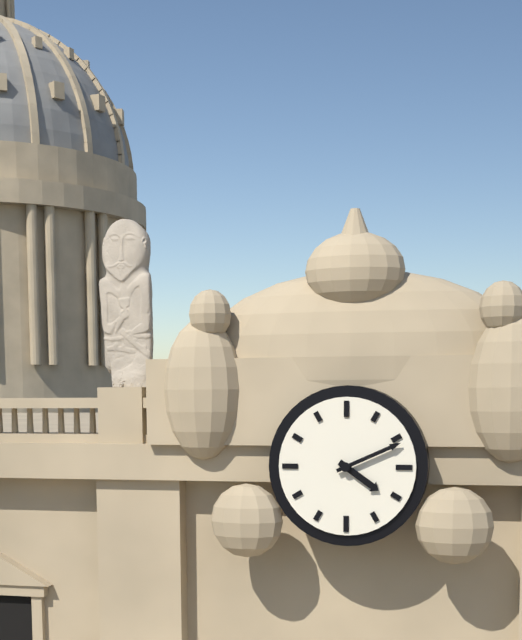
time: **4:11**
